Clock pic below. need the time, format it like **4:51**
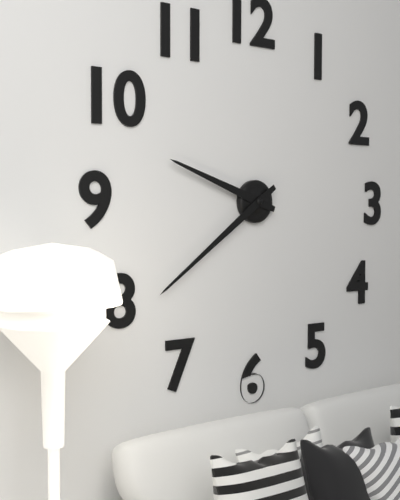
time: **9:39**
